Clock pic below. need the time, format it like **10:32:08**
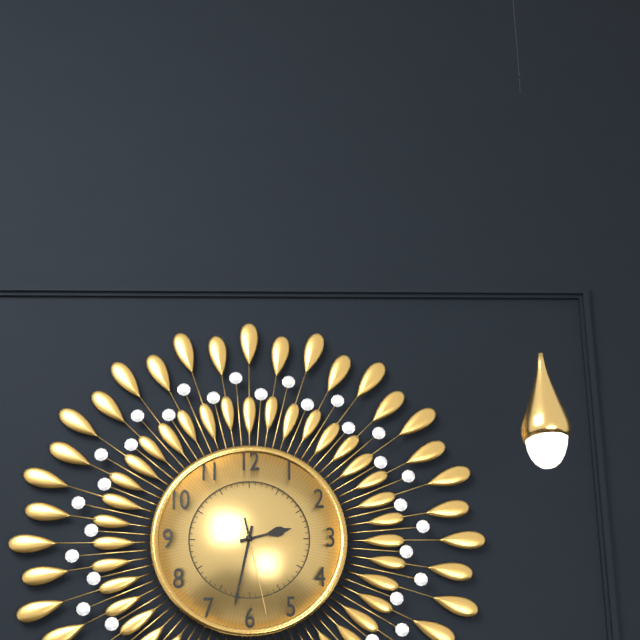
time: **2:32:28**
